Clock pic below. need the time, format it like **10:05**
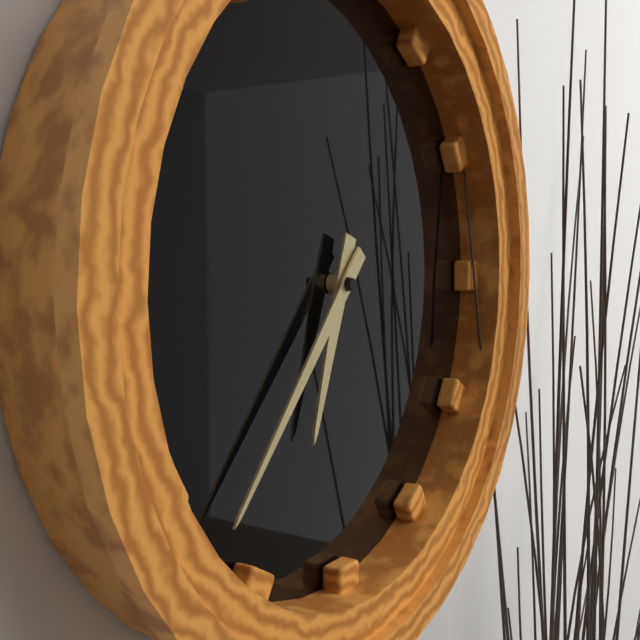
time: **6:37**
